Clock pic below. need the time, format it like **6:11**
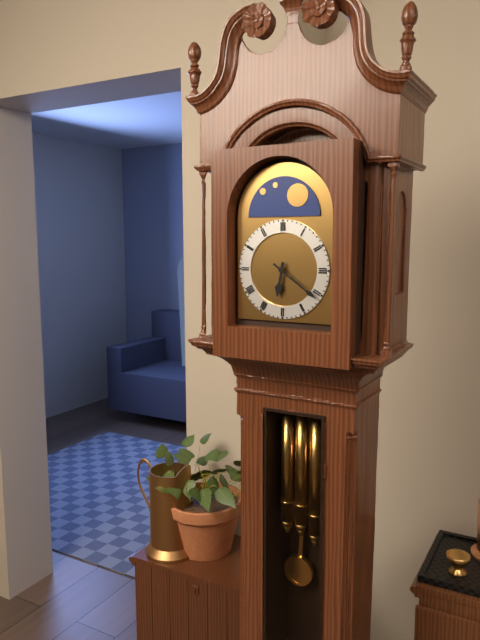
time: **6:21**
